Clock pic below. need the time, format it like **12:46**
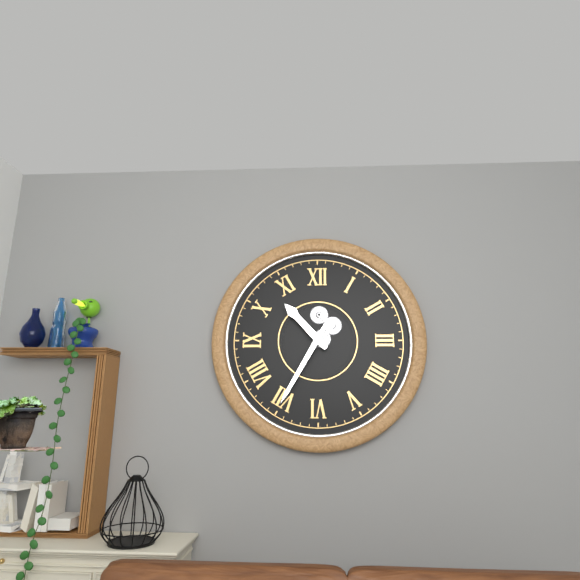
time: **10:35**
